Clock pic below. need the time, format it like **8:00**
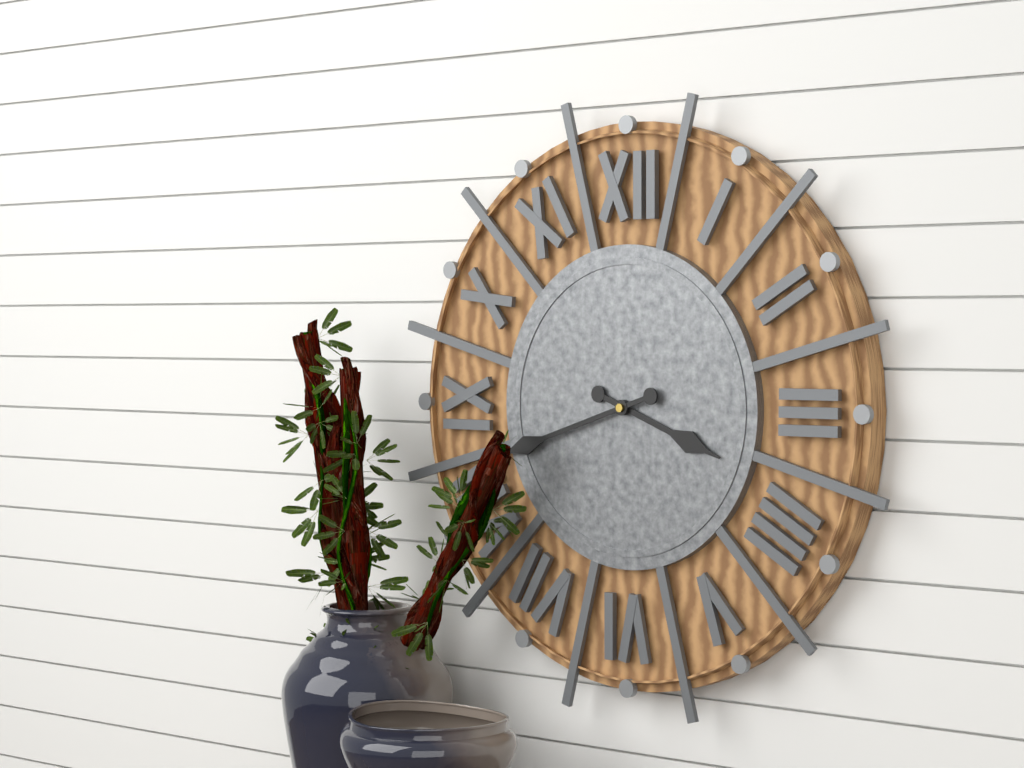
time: **3:42**
